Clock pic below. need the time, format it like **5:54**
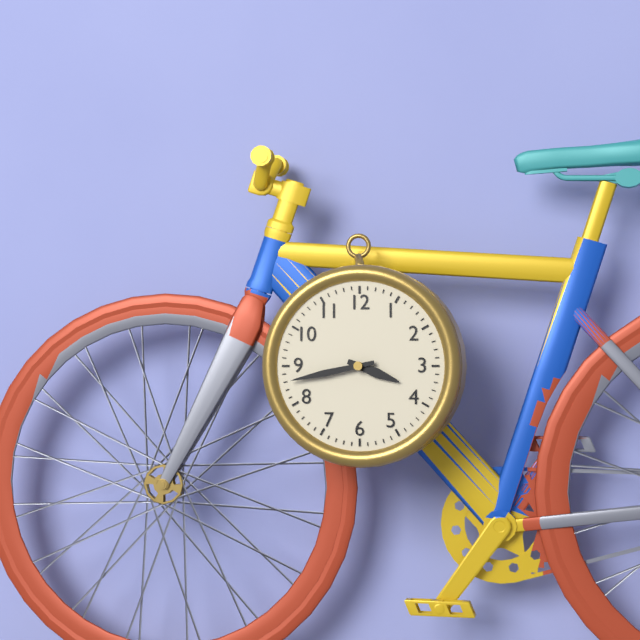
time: **3:43**
